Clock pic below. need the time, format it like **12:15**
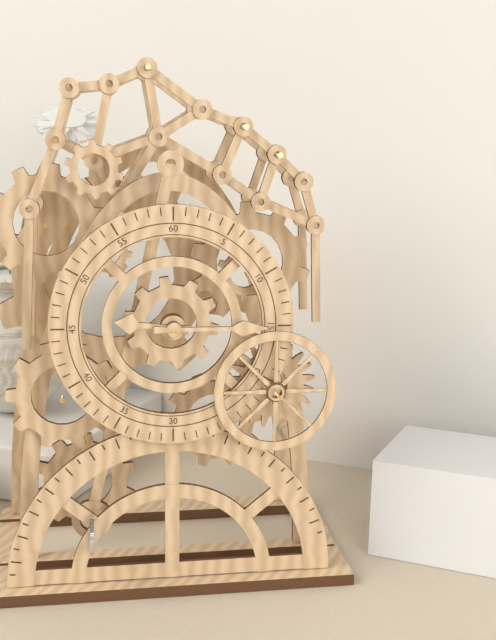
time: **9:15**
